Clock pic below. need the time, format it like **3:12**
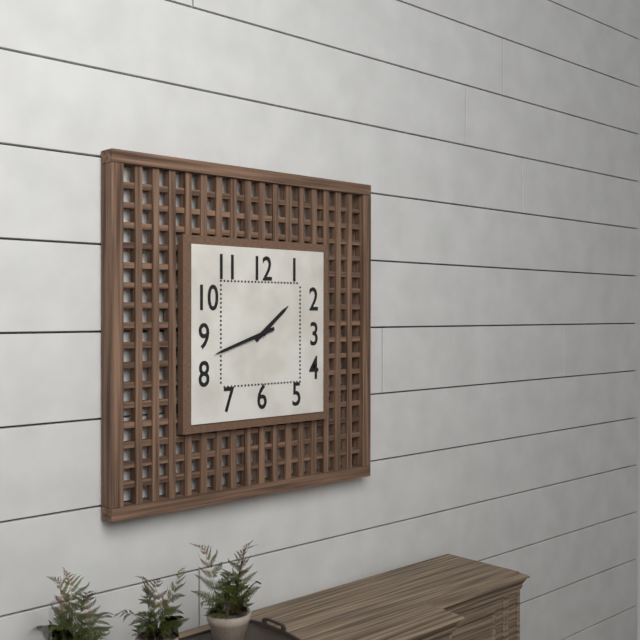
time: **1:42**
